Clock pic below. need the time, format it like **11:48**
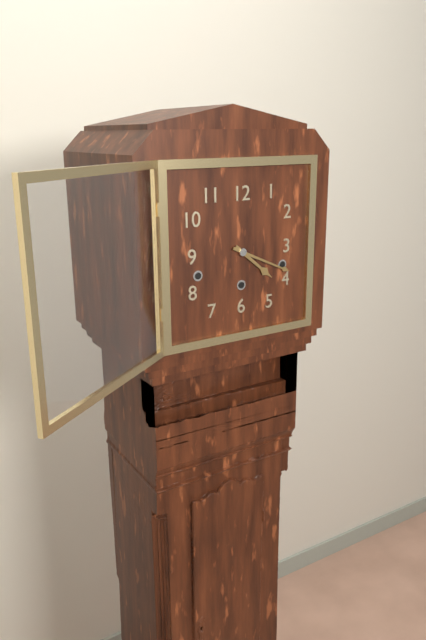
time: **4:19**
